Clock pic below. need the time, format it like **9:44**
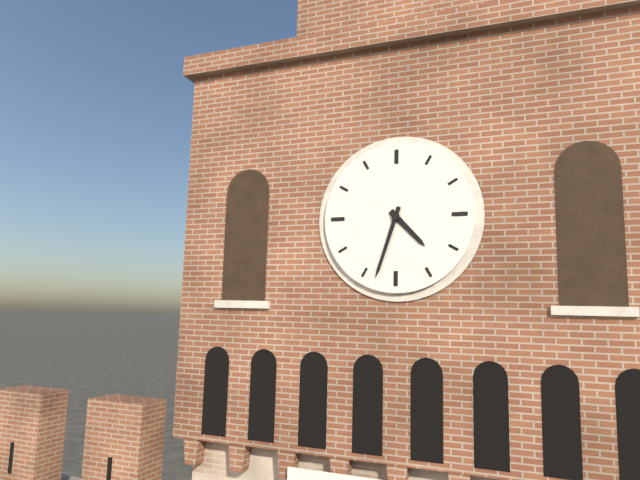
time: **4:33**
